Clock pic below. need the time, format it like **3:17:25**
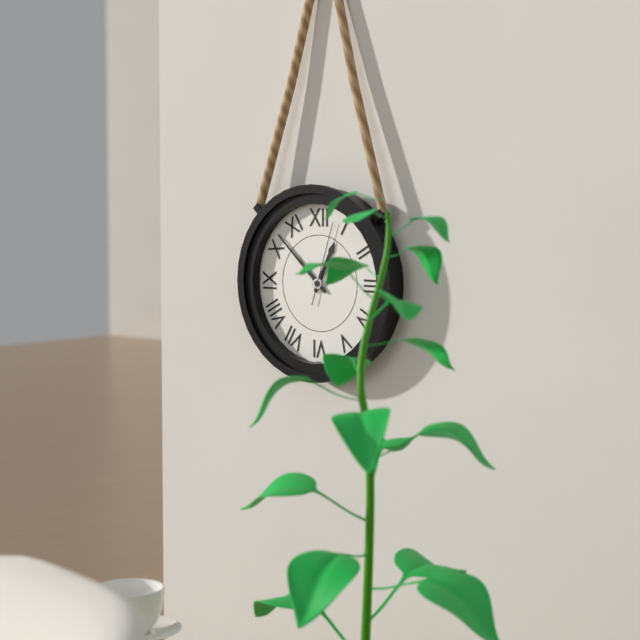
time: **12:52:03**
